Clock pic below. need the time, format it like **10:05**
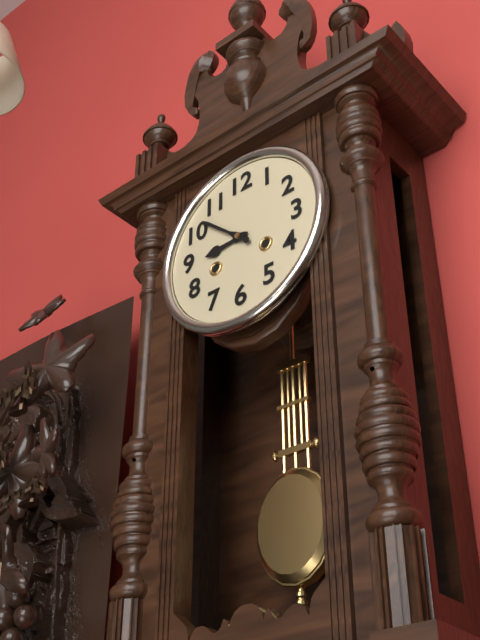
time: **8:52**
